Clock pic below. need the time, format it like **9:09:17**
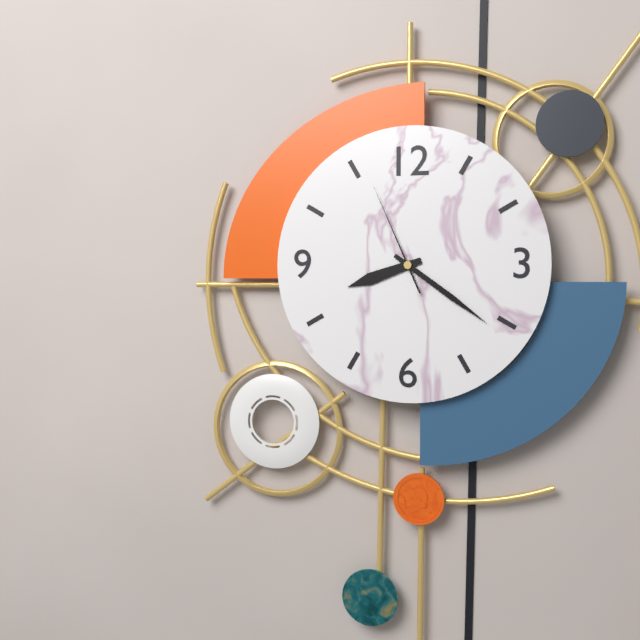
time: **8:21:56**
